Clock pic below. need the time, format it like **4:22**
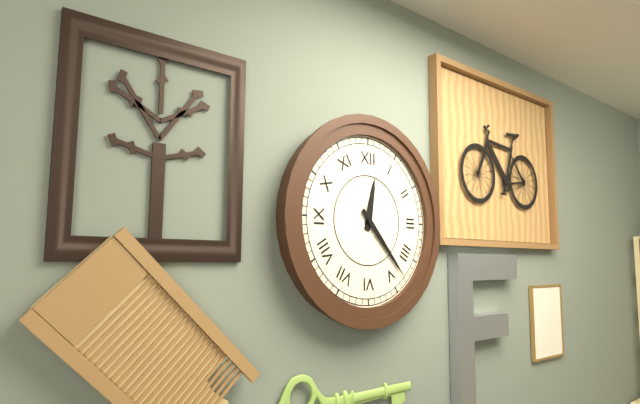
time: **12:23**
